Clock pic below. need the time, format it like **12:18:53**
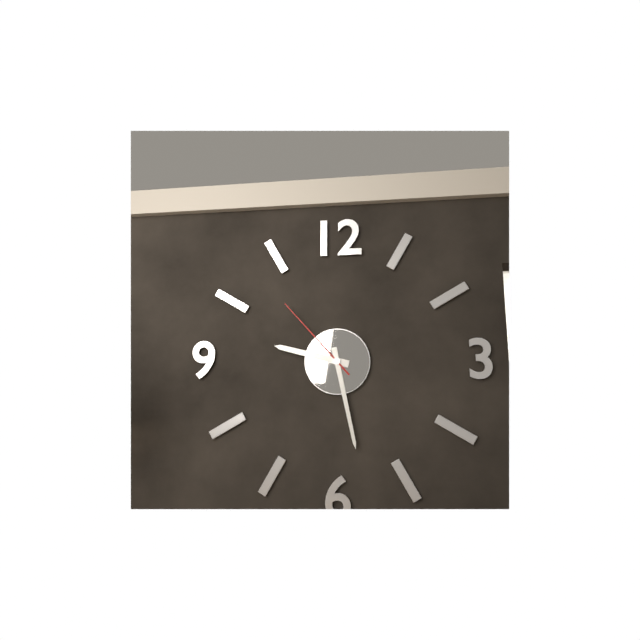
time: **9:28:53**
